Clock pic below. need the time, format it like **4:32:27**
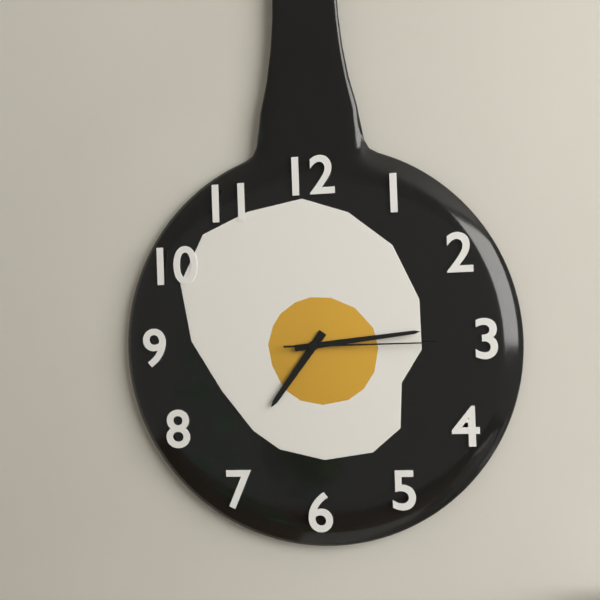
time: **7:14:15**
